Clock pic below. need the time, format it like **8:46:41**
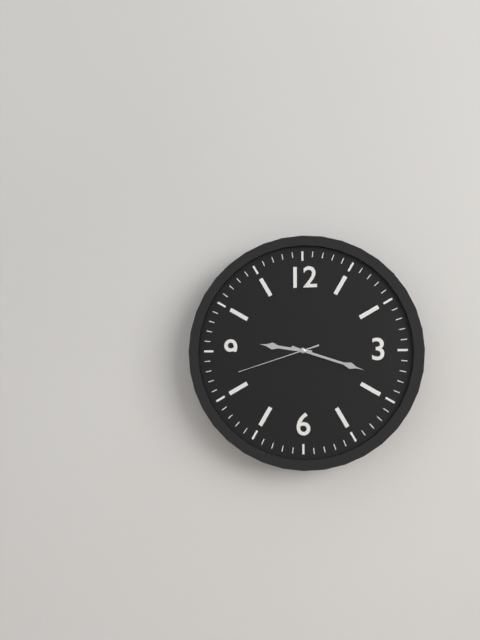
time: **9:18:42**
